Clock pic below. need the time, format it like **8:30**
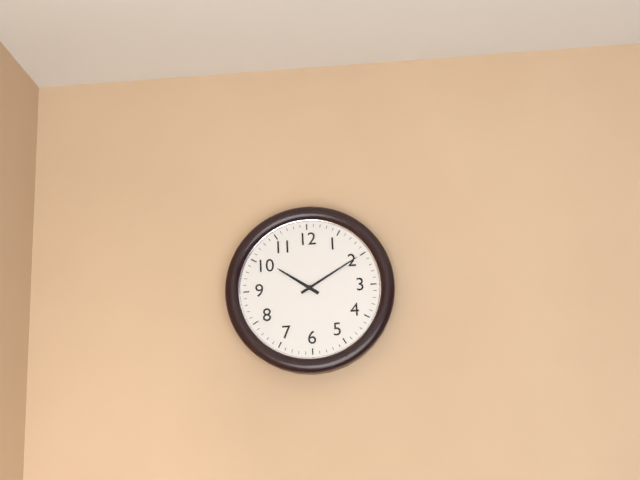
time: **10:10**
